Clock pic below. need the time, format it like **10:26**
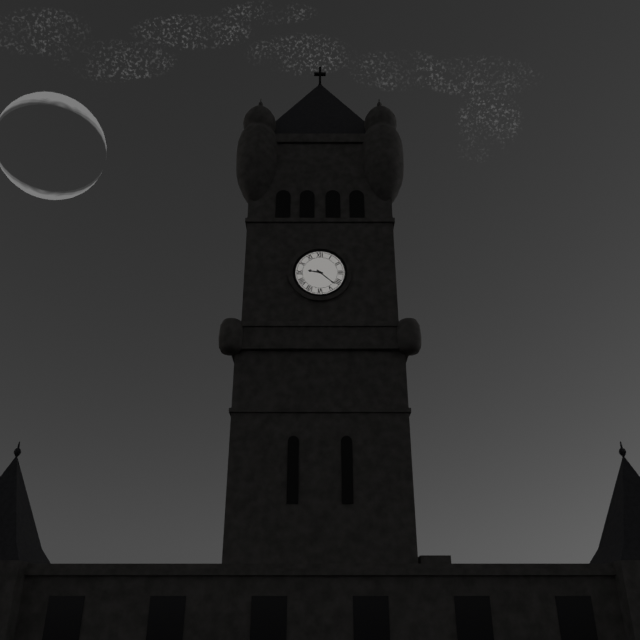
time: **9:22**
